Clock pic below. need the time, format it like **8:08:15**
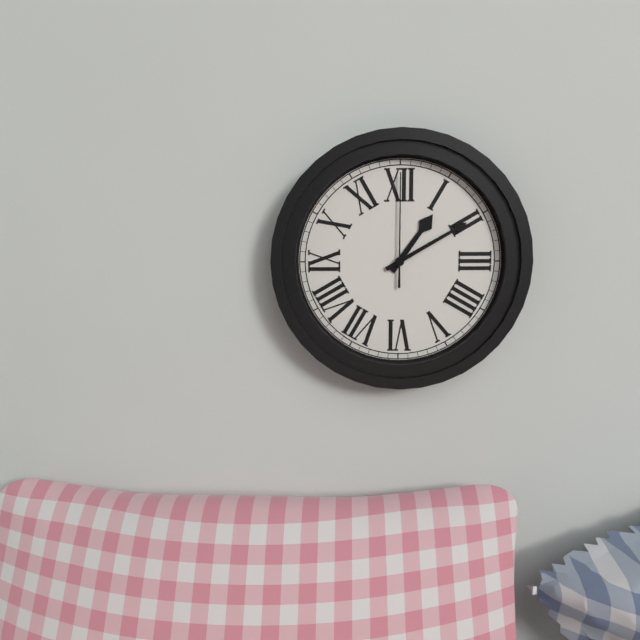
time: **1:10:00**
